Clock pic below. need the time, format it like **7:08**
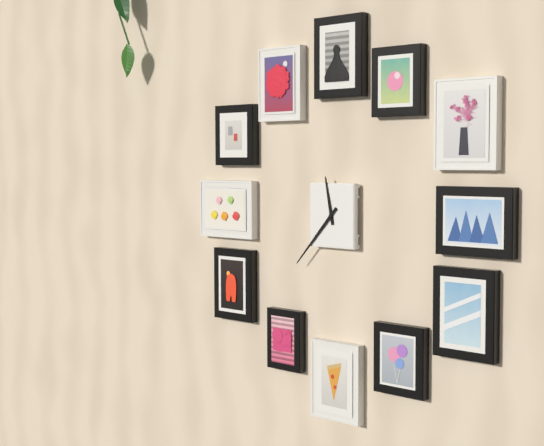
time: **11:37**
